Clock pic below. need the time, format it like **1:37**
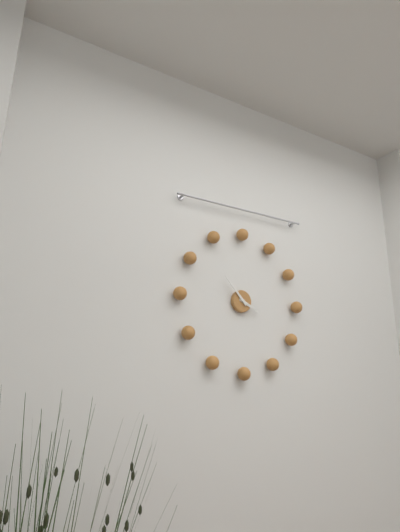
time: **3:53**
